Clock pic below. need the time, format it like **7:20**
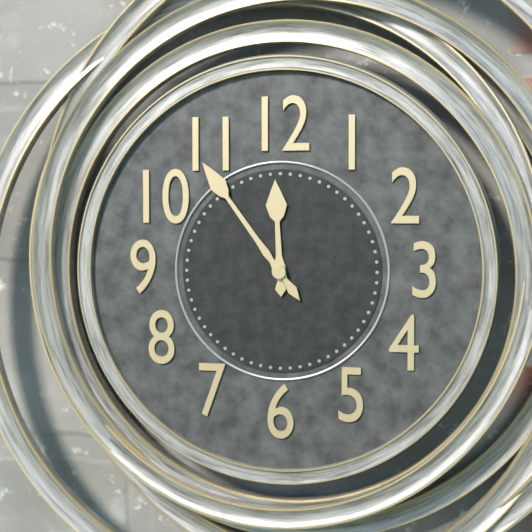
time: **11:54**
